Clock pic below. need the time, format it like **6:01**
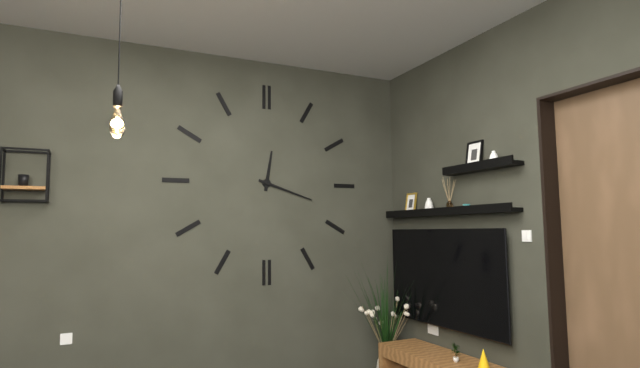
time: **12:18**
